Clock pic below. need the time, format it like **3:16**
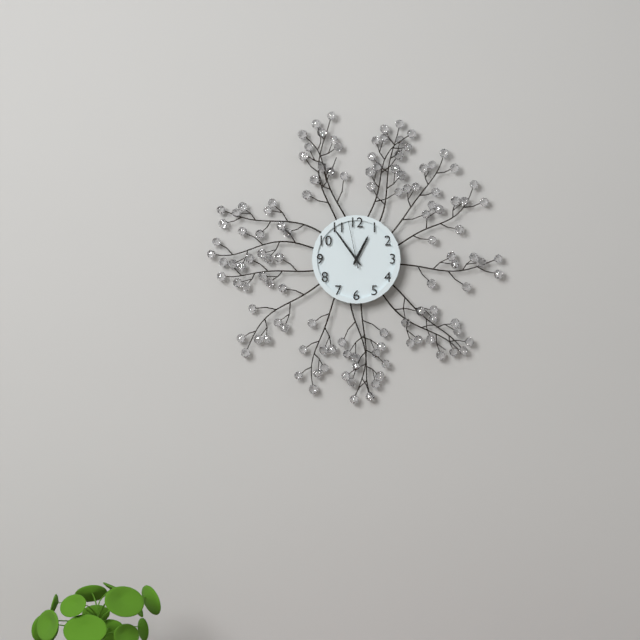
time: **12:54**
